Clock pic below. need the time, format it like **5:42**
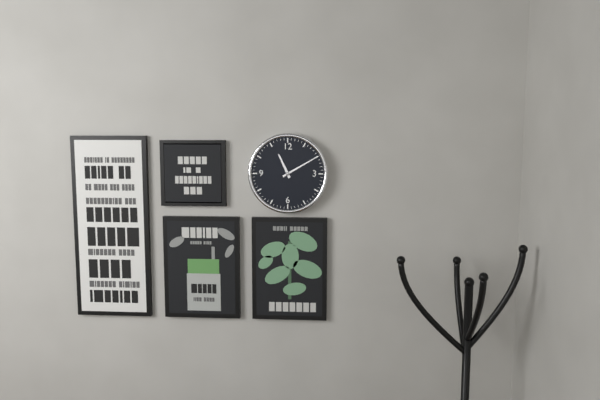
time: **11:10**
